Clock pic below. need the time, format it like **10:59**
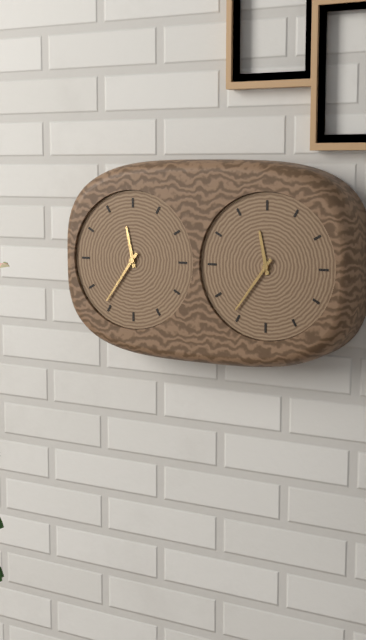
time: **11:36**
